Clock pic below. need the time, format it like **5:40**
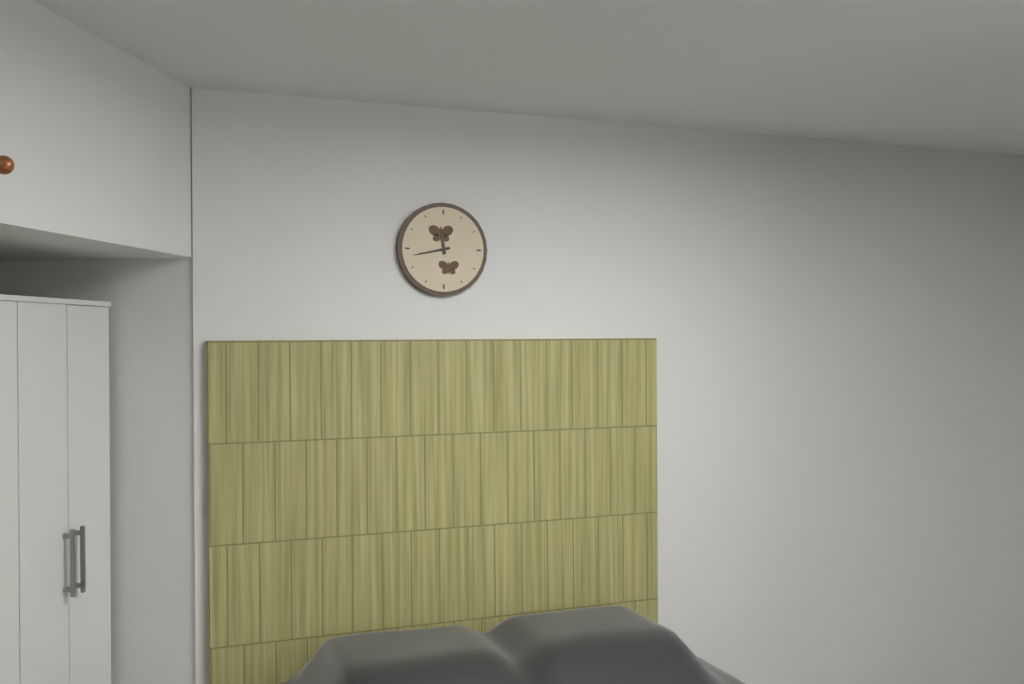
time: **11:43**
